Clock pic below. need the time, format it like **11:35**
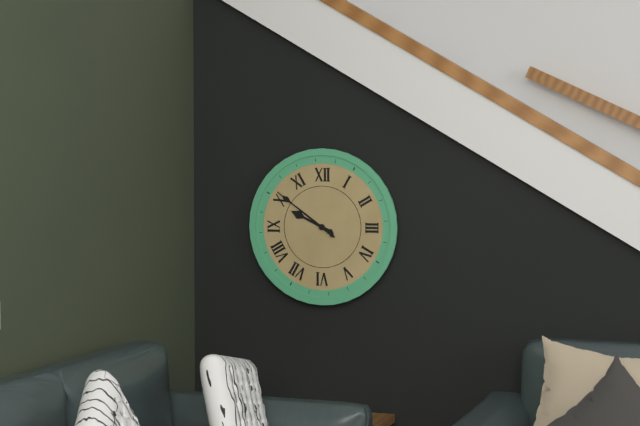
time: **9:51**
